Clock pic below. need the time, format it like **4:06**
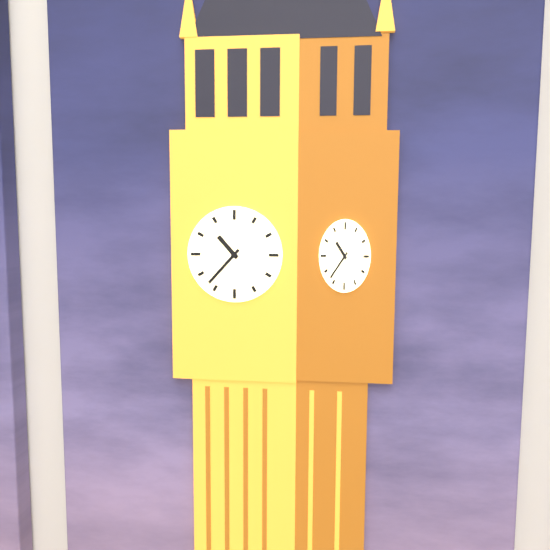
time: **10:37**
